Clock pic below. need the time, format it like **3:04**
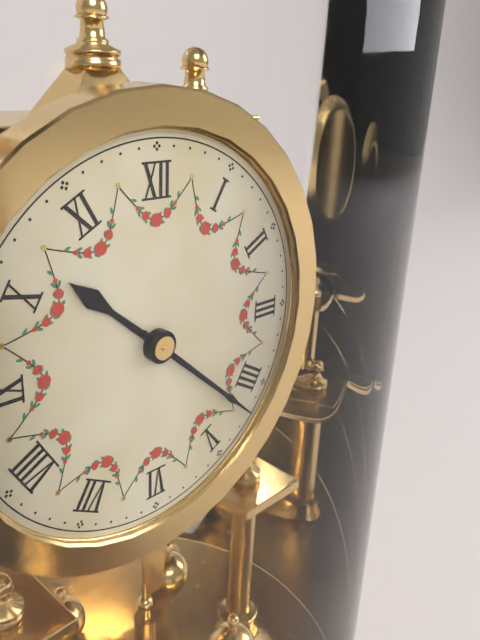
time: **10:22**
